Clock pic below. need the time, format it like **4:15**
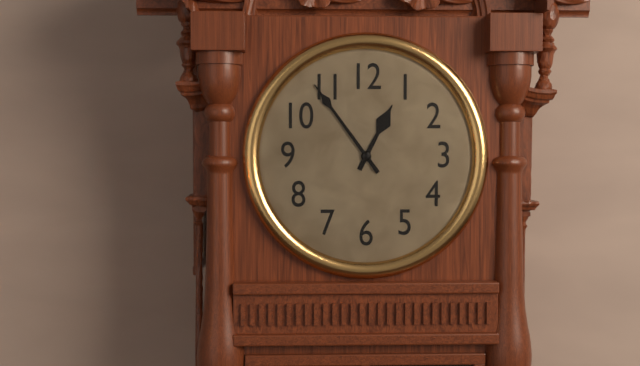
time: **12:54**
